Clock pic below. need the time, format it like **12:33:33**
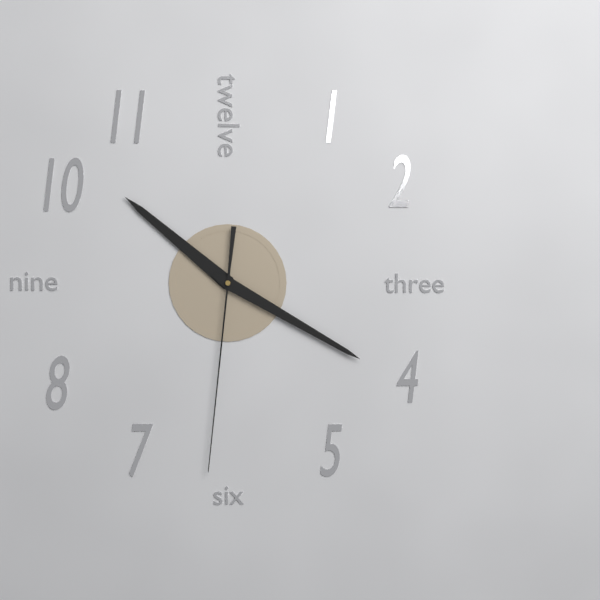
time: **10:20:31**
